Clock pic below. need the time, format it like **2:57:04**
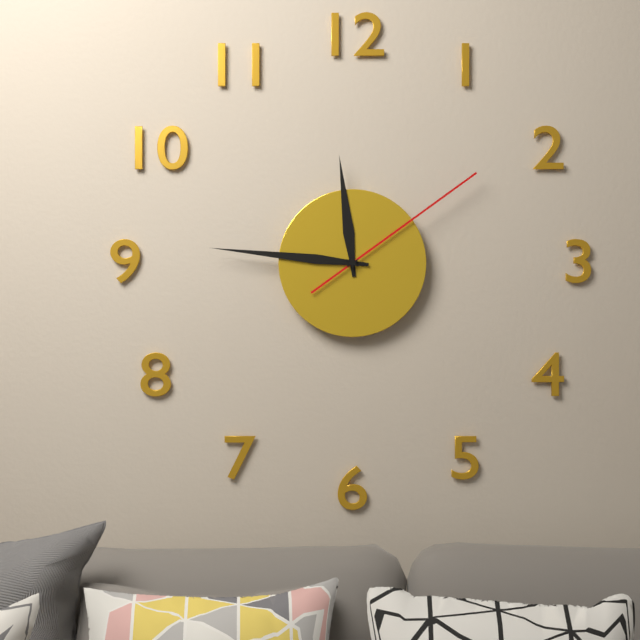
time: **11:46:09**
